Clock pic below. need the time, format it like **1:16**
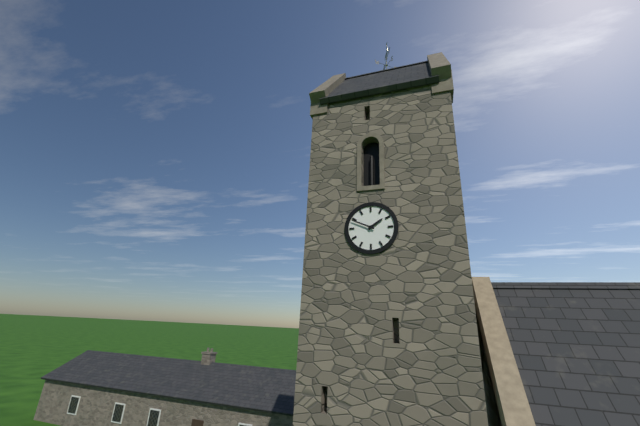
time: **1:49**
